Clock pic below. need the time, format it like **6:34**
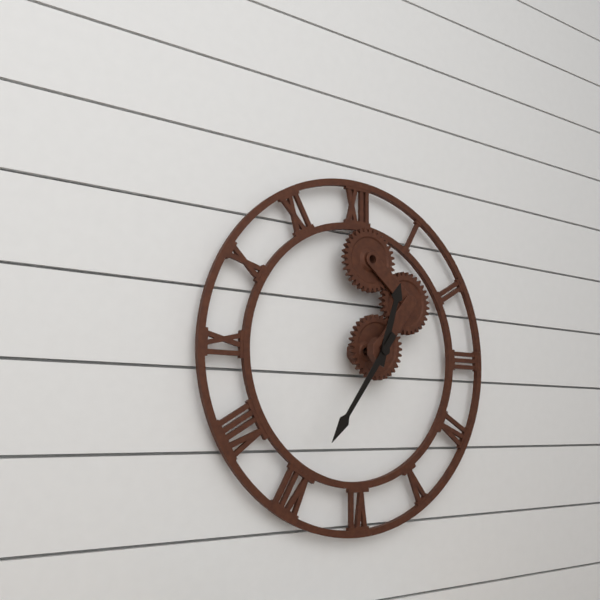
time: **12:36**
